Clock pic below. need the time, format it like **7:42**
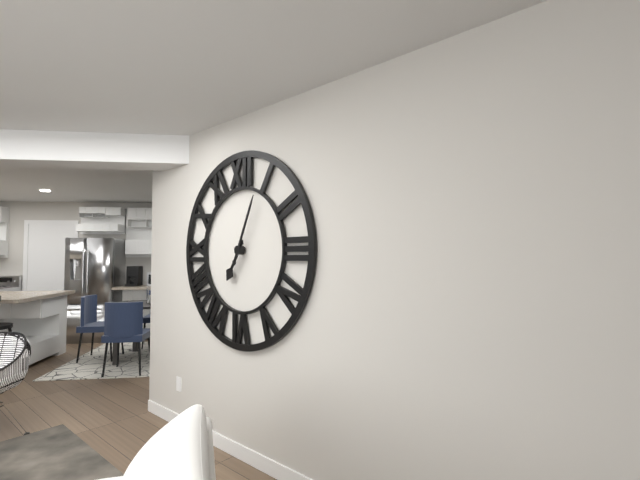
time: **7:04**
